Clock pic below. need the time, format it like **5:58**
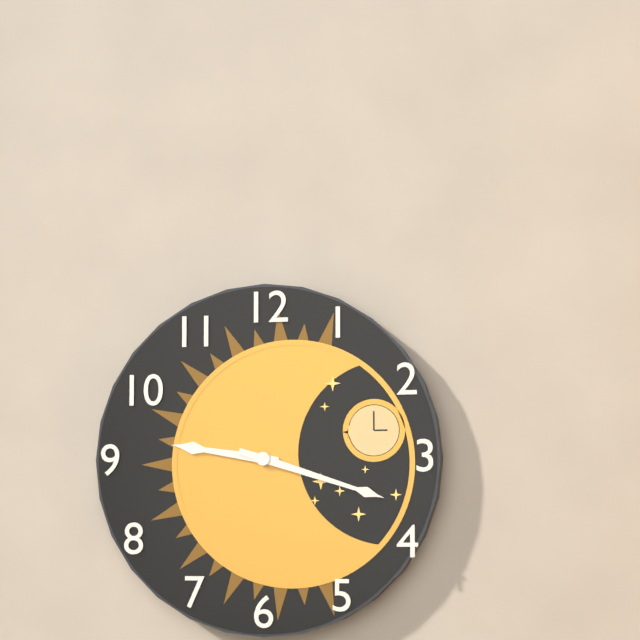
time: **9:18**
